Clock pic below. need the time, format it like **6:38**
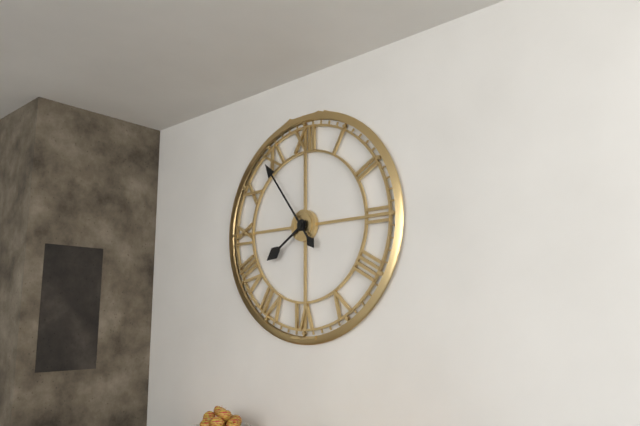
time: **7:54**
